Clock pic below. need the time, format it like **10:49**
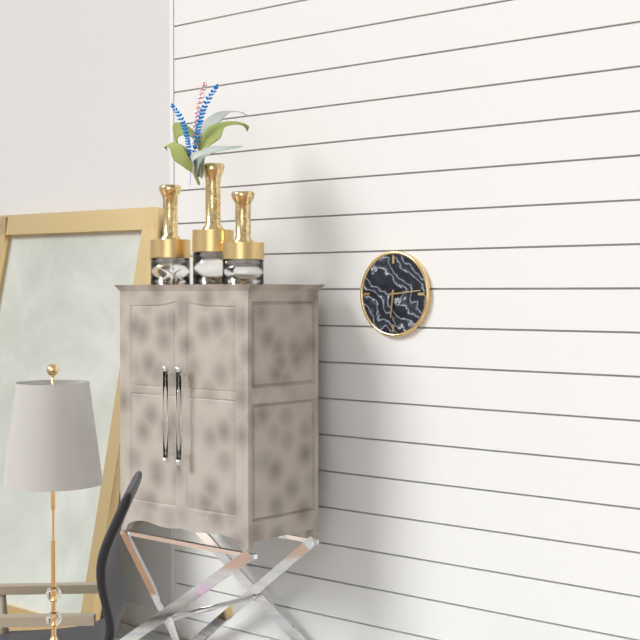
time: **6:14**
